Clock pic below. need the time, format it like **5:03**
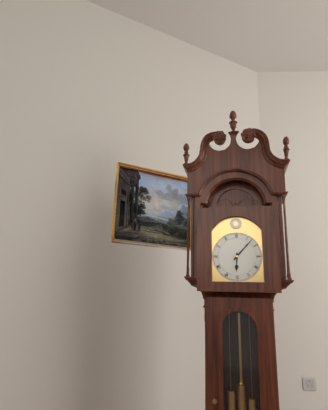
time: **6:07**
